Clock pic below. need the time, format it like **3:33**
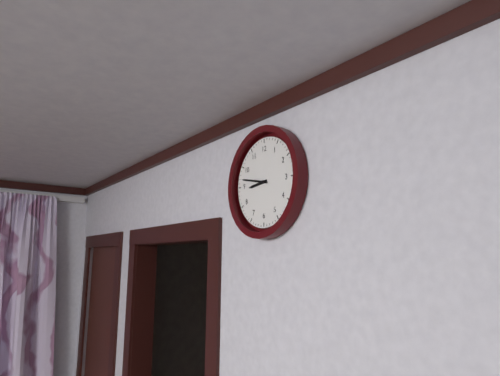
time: **8:47**
